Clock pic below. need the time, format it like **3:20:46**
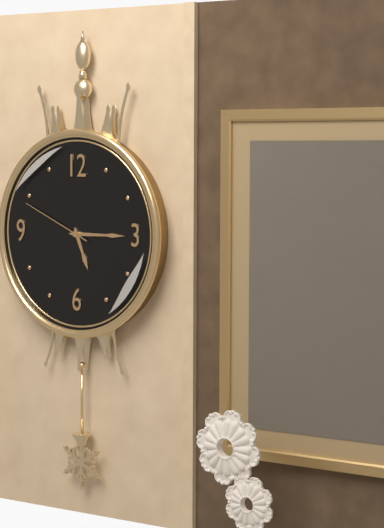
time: **5:15:49**
